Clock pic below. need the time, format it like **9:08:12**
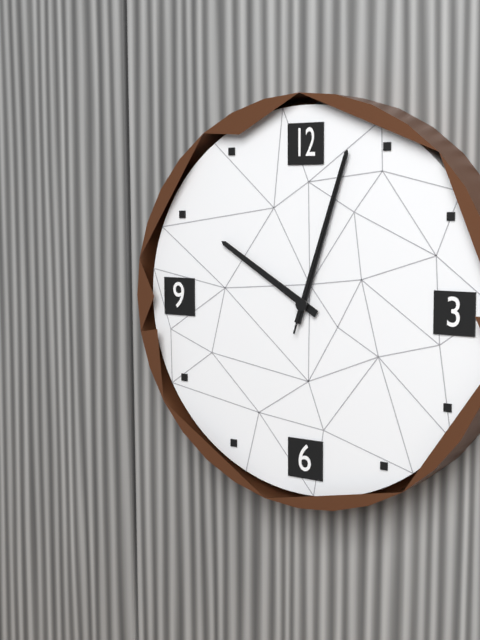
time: **10:03:03**
